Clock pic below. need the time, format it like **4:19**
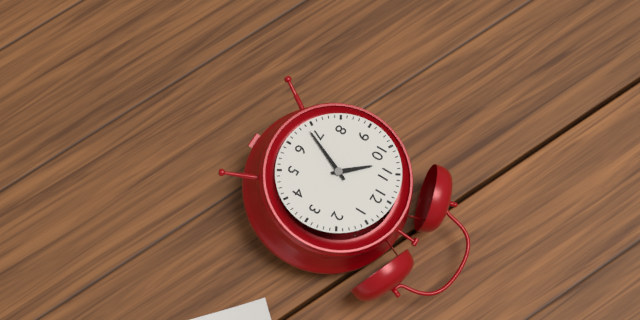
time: **10:34**
